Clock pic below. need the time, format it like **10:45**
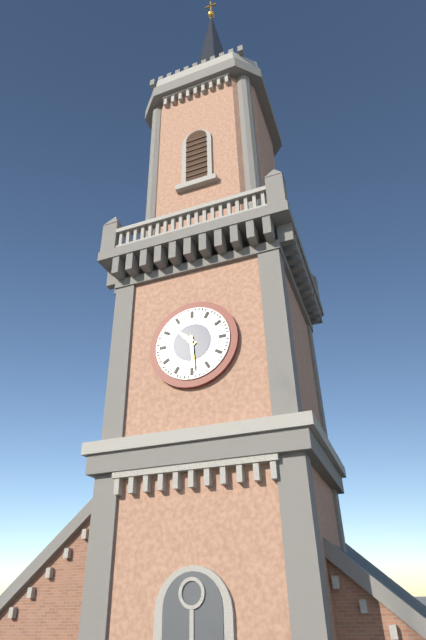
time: **10:29**
